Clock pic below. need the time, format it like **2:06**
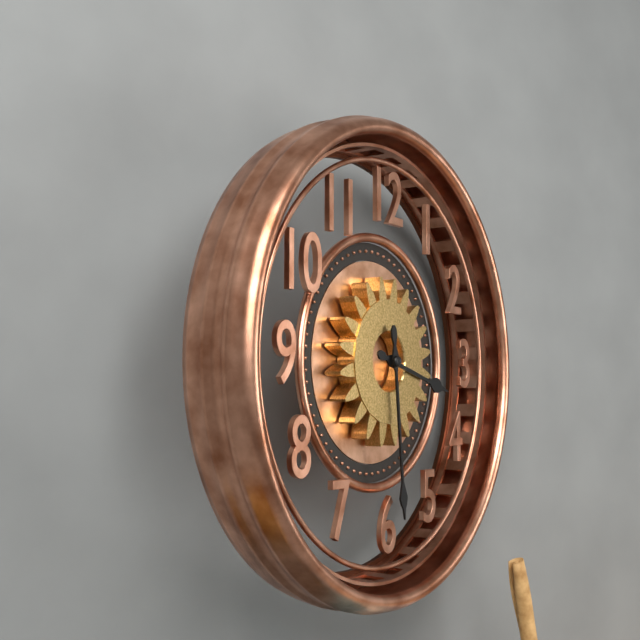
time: **3:29**
